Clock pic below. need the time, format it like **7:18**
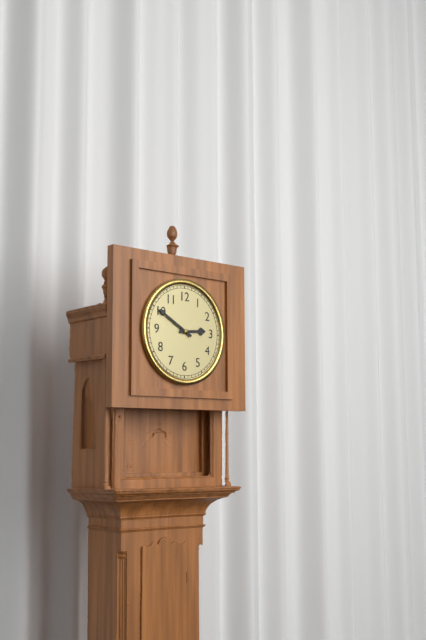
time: **2:50**
